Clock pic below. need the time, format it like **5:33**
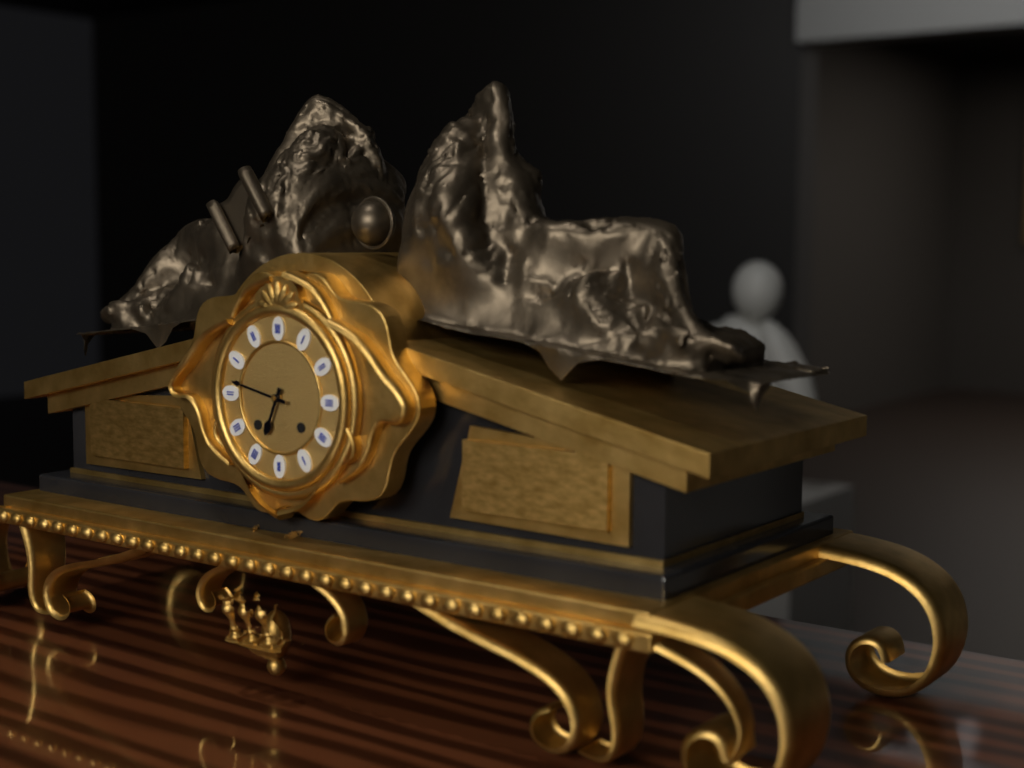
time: **6:47**
